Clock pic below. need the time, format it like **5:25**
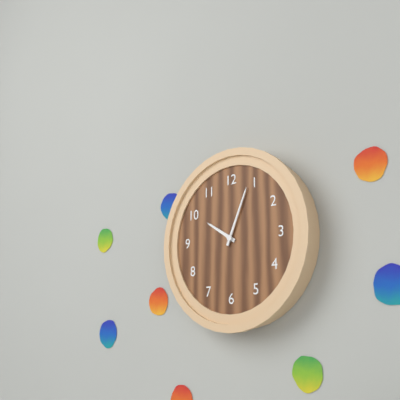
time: **10:04**
